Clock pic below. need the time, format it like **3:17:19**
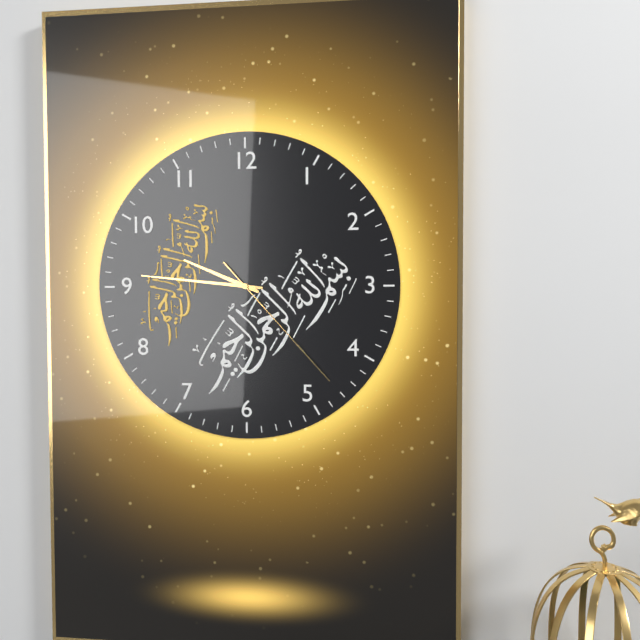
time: **9:46:23**
